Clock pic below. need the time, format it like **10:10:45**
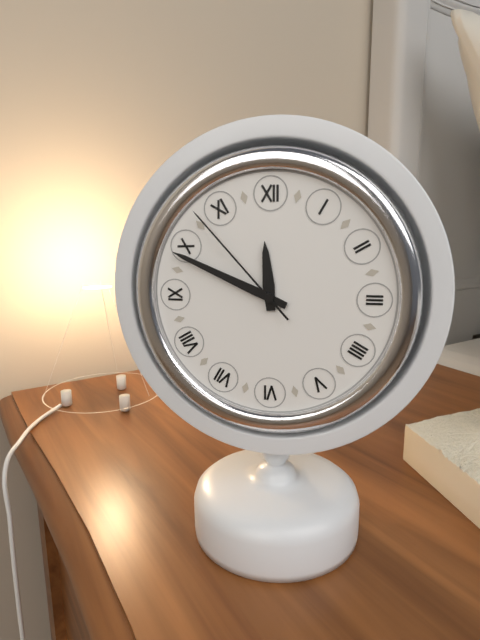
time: **11:49:53**
